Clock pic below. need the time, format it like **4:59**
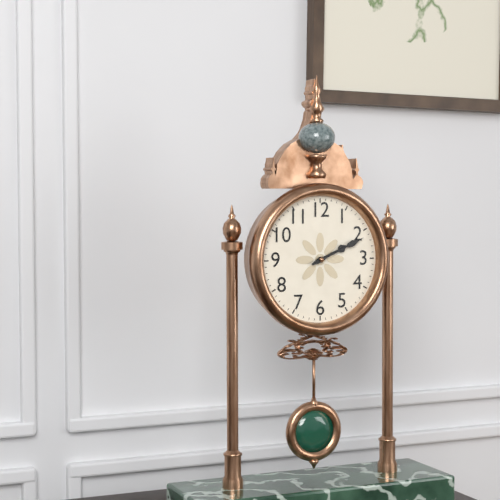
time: **2:11**
